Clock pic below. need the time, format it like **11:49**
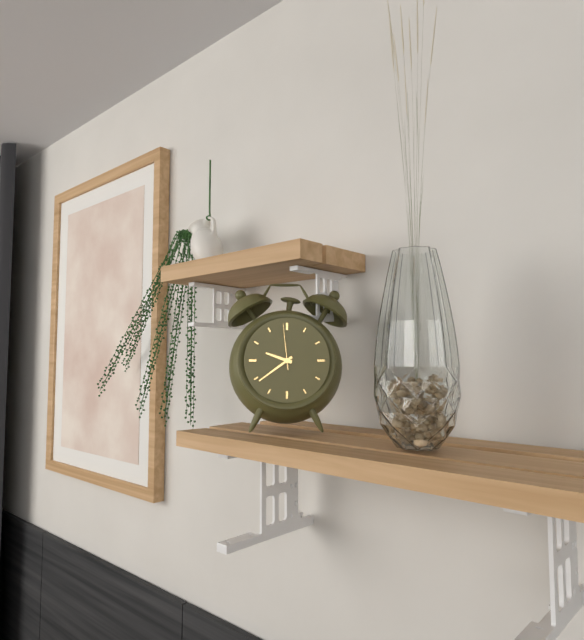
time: **9:39**
